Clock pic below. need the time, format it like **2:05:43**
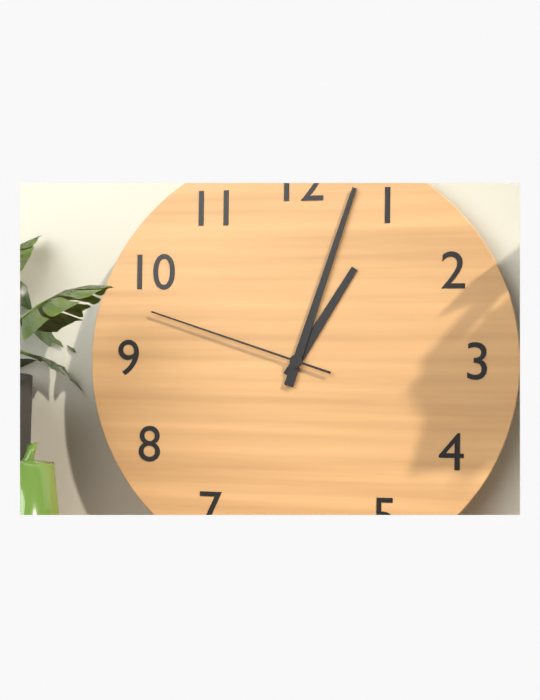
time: **1:03:48**
